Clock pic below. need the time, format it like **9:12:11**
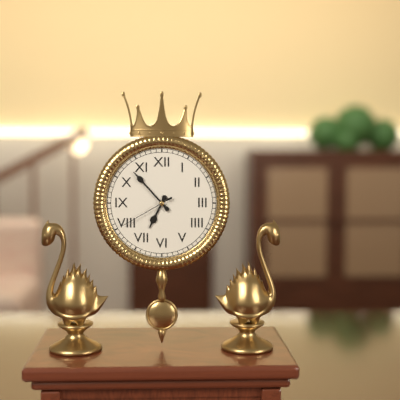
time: **6:53:40**
